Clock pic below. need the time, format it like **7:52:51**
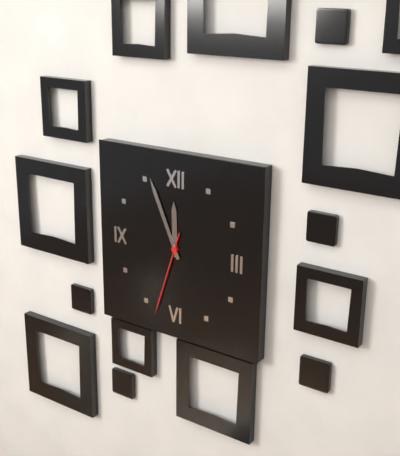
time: **11:56:33**
